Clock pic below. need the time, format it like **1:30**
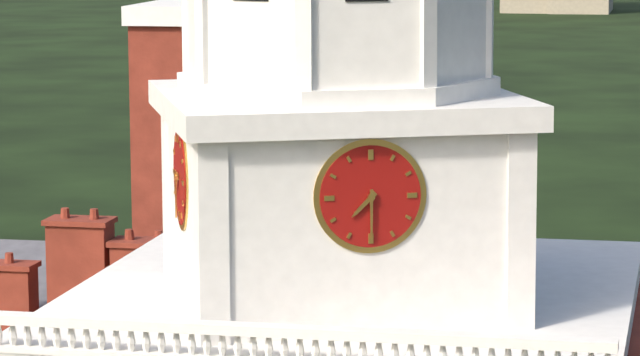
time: **7:30**
